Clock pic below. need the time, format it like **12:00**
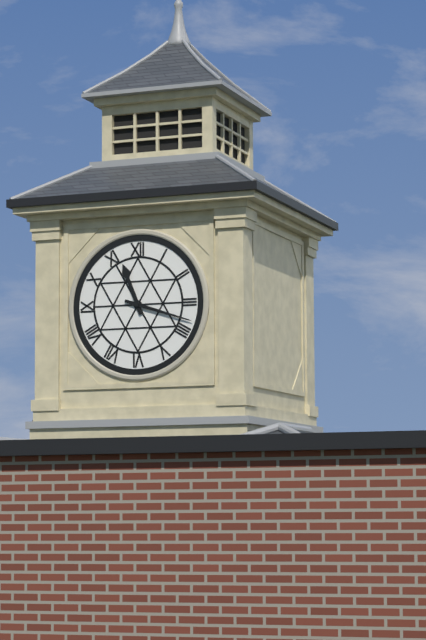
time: **11:18**
